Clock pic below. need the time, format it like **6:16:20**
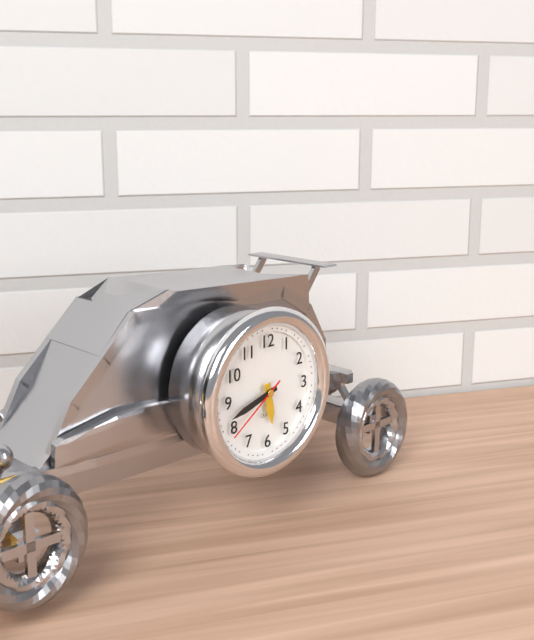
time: **5:42:39**
